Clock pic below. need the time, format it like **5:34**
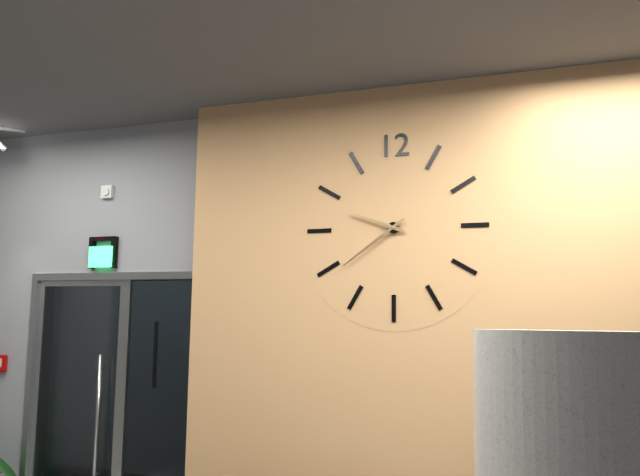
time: **9:39**
